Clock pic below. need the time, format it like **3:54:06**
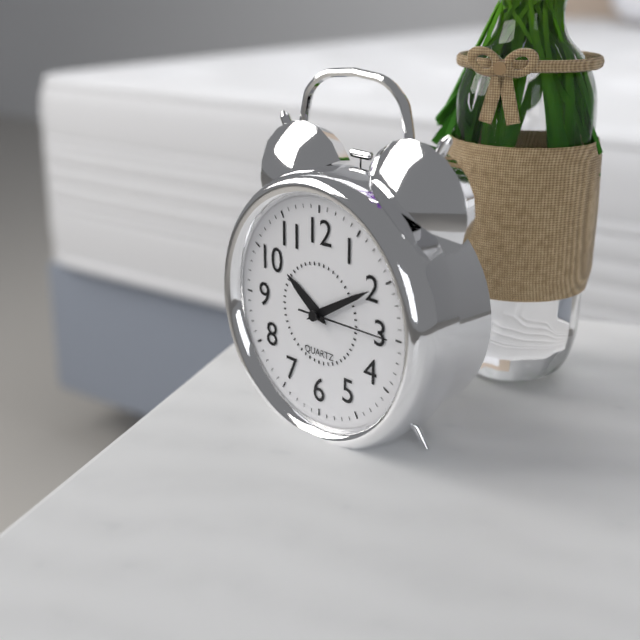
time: **10:10:15**
